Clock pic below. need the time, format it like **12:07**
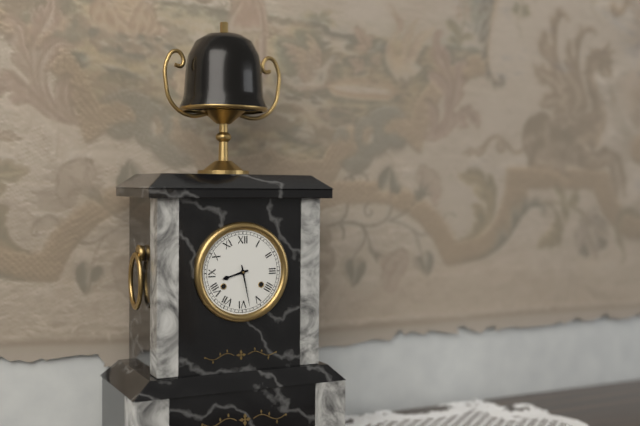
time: **8:28**
